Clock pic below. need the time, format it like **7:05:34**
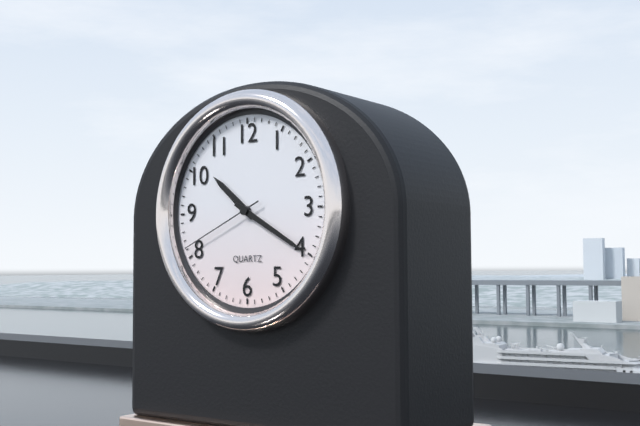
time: **10:20:41**
